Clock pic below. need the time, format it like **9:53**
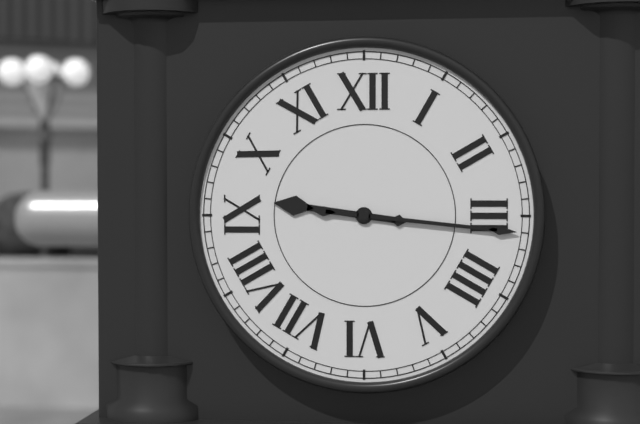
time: **9:16**
